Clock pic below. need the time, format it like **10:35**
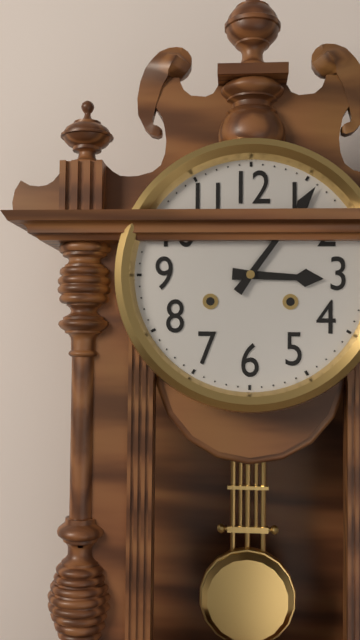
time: **3:06**
